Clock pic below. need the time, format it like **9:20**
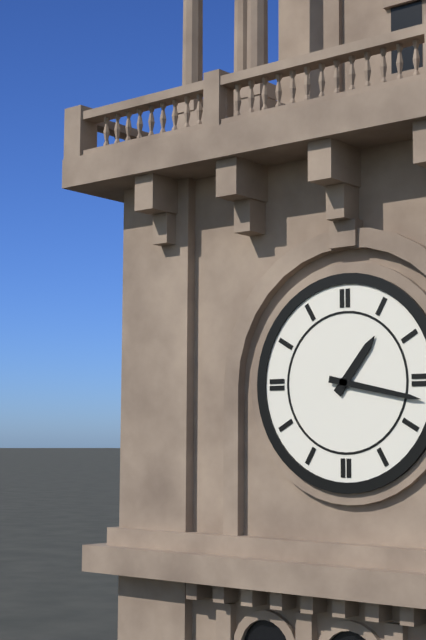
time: **1:17**
